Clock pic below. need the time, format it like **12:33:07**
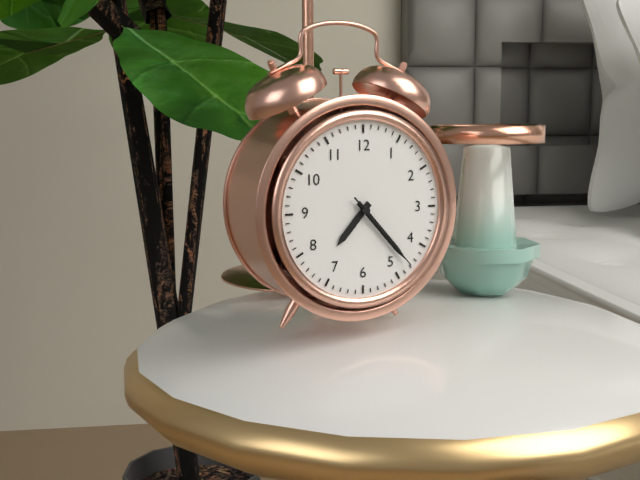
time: **7:23:23**
